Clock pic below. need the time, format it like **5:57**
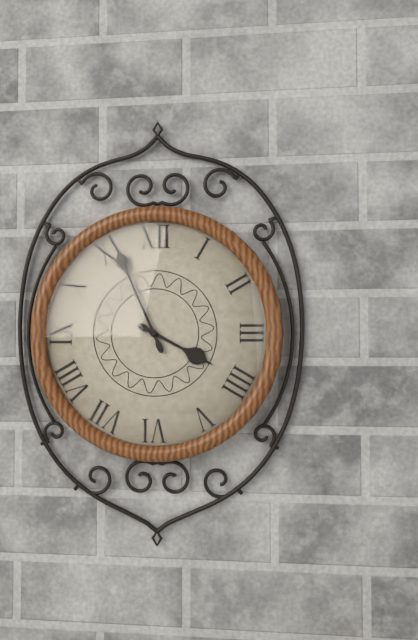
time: **3:56**
